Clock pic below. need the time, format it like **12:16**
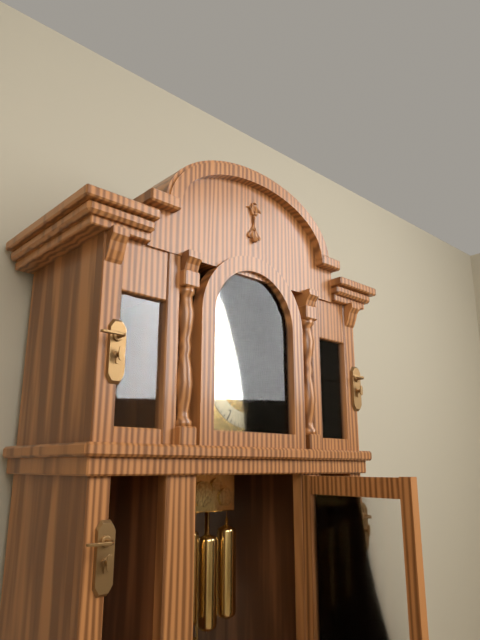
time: **7:26**
